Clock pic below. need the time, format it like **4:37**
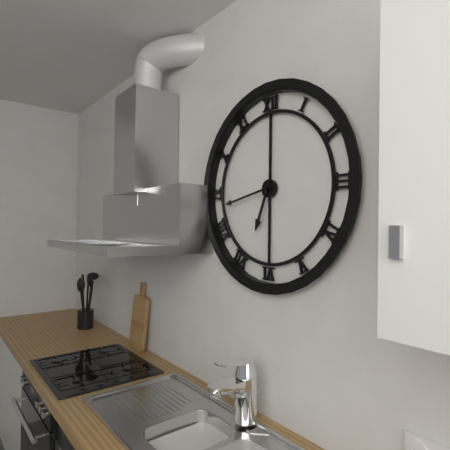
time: **6:43**
